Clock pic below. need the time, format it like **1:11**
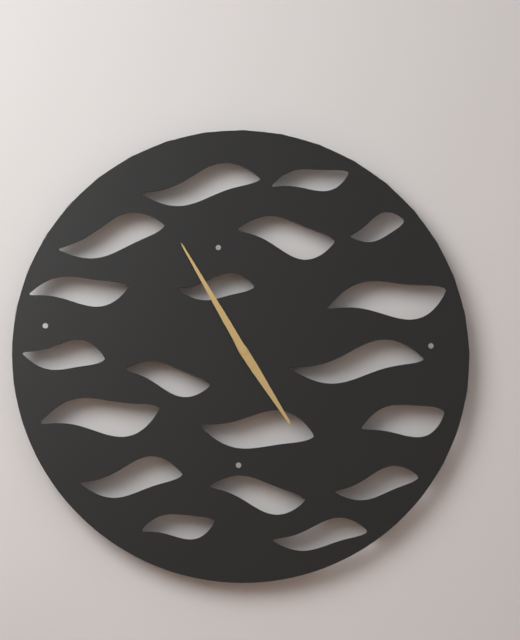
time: **4:55**
